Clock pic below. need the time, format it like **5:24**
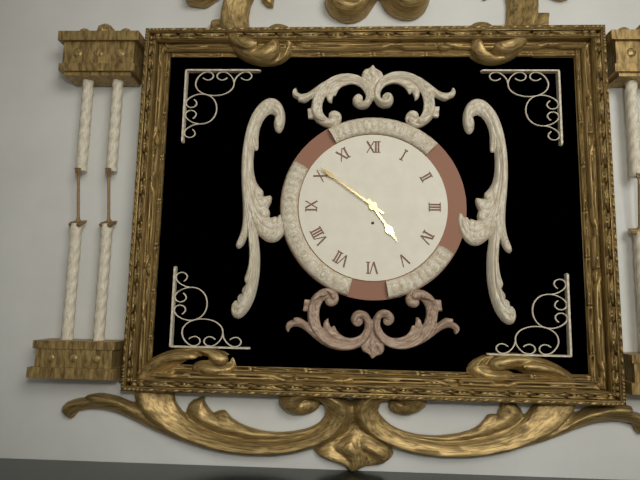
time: **4:51**
